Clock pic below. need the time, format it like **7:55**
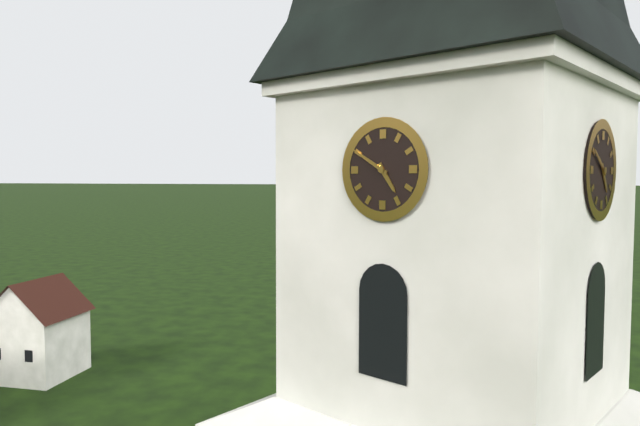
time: **4:50**
